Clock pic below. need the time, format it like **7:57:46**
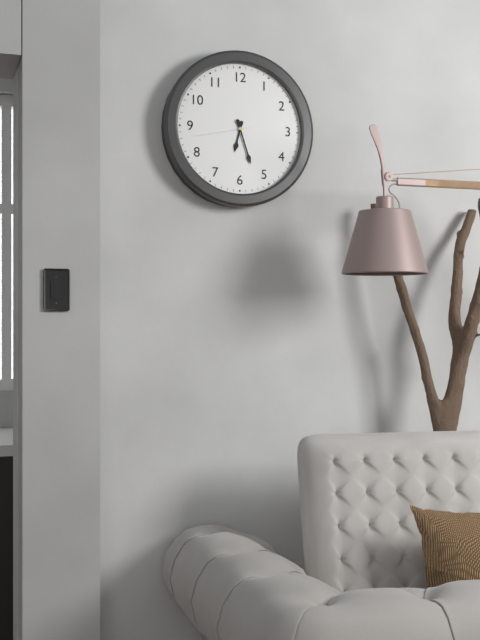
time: **6:27:43**
